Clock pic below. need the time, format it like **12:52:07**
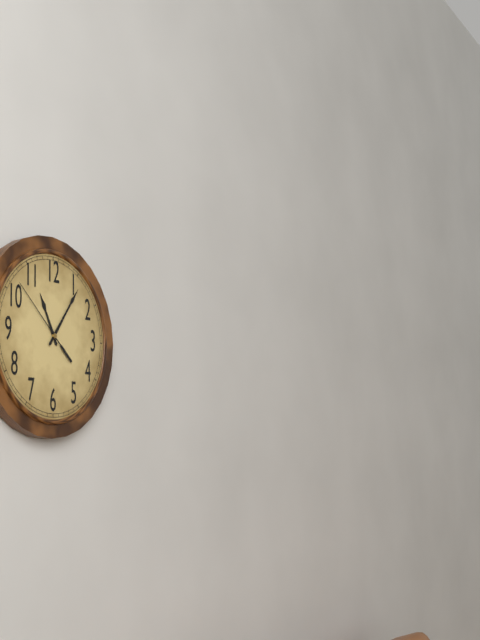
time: **11:06:52**
